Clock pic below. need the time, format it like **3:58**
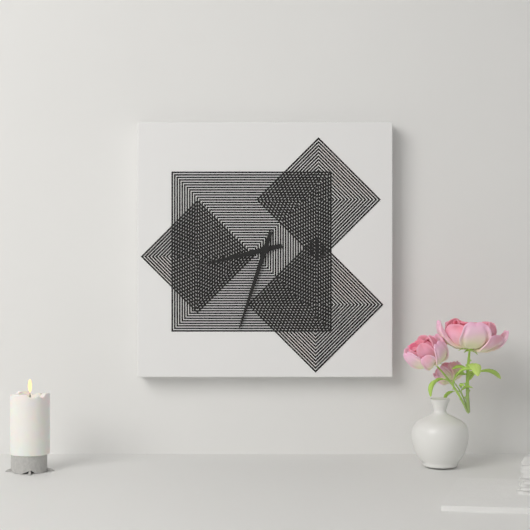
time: **8:33**
